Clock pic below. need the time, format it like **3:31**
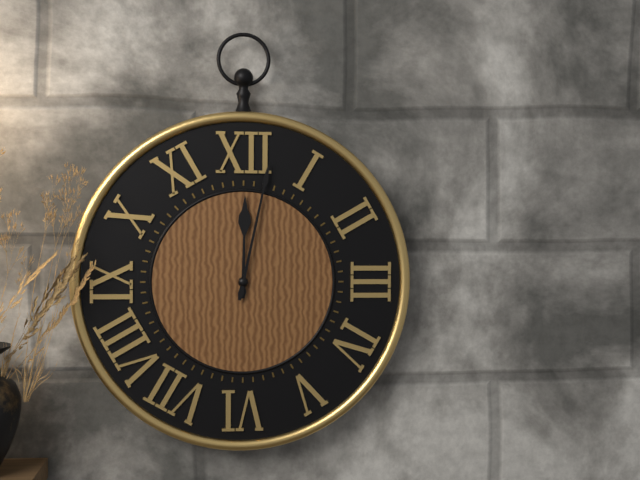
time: **12:02**
